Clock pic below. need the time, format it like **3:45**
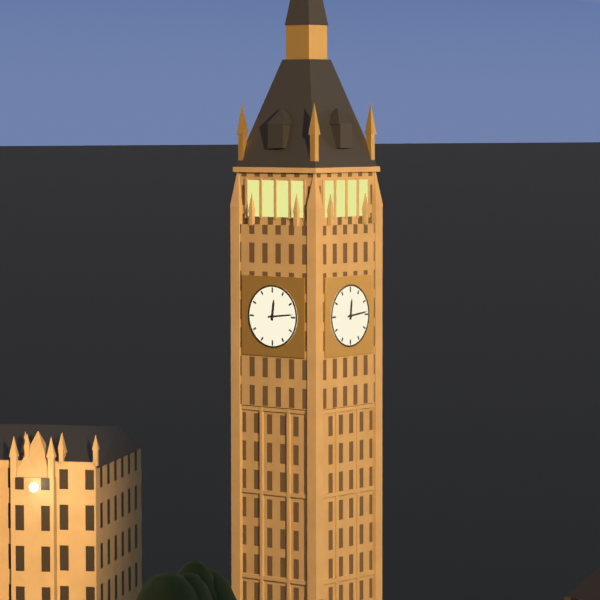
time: **12:14**
